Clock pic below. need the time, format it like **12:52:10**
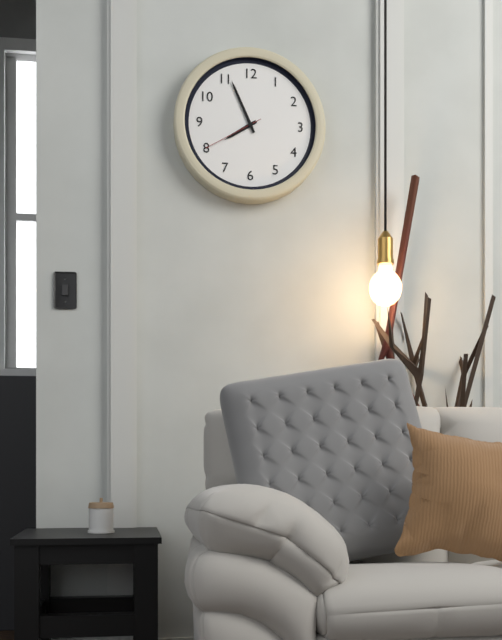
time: **7:56:40**
